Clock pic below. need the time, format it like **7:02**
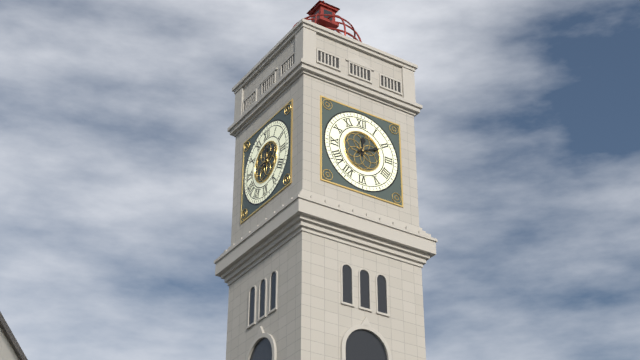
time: **12:11**
